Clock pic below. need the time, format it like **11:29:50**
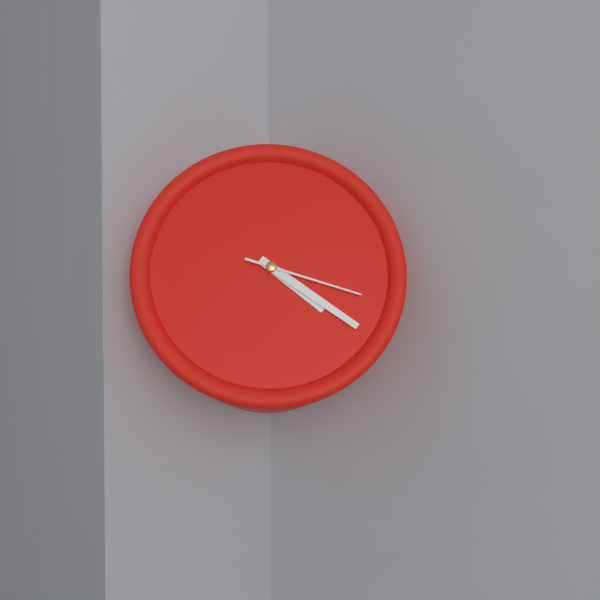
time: **4:21:18**
